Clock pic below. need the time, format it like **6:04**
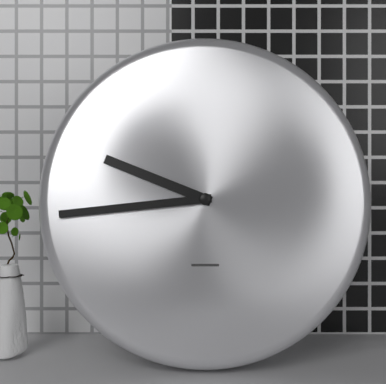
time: **9:44**
